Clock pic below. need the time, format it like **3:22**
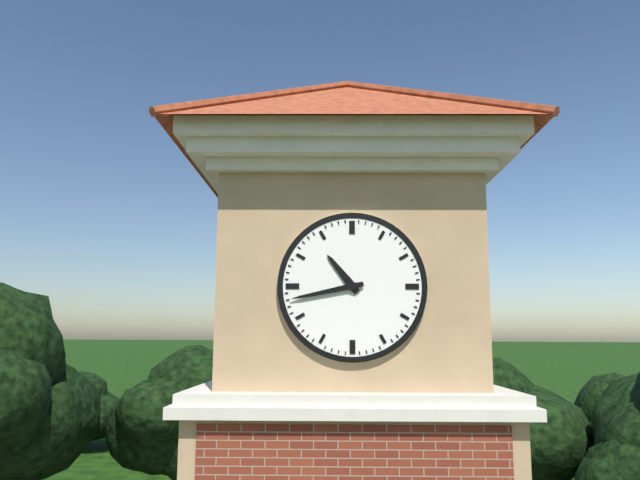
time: **10:43**
